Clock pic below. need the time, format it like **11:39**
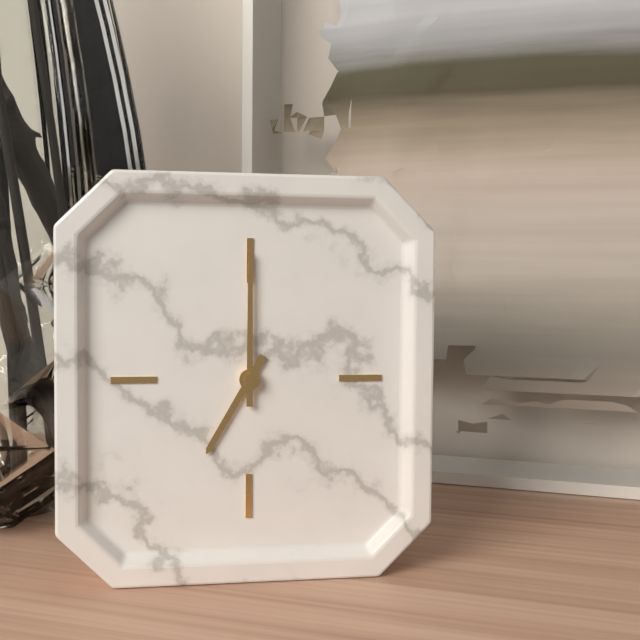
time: **7:00**
